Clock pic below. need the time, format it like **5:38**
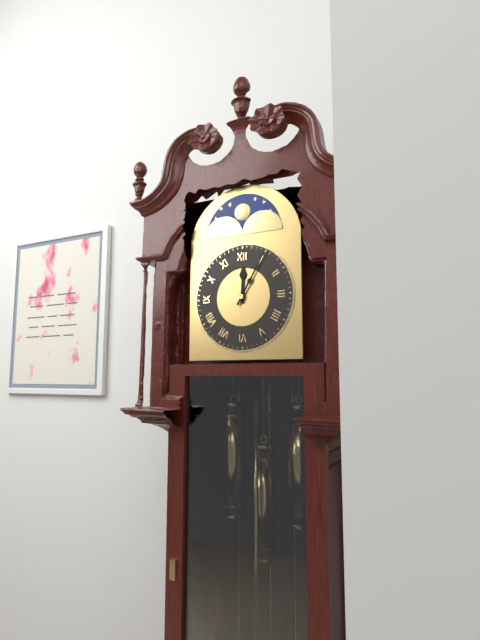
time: **12:05**
